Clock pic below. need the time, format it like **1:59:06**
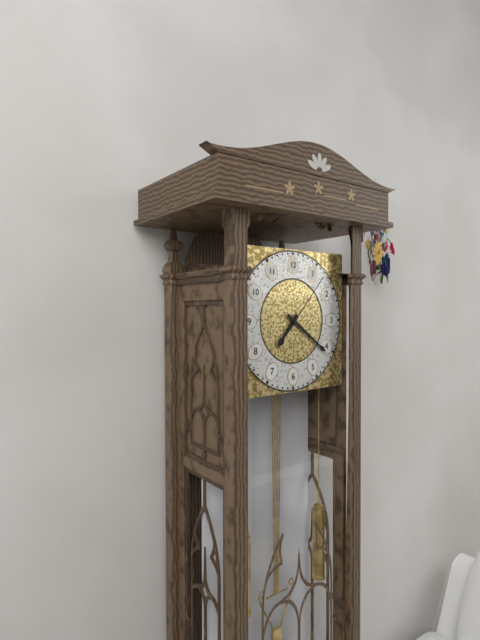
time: **7:21:07**
